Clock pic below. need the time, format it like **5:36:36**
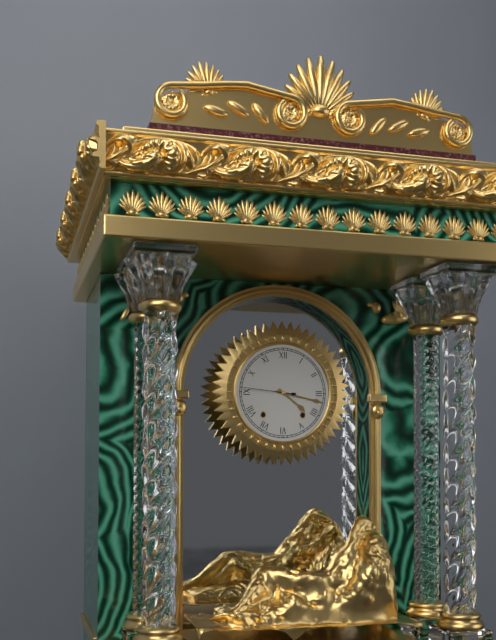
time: **4:17:46**
